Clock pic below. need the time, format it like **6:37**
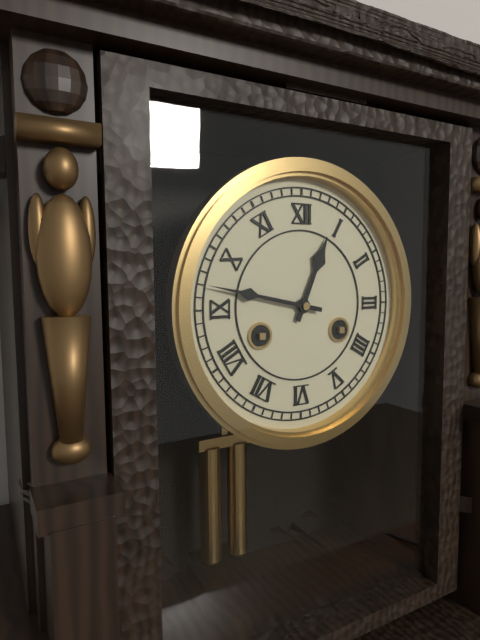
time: **12:47**
